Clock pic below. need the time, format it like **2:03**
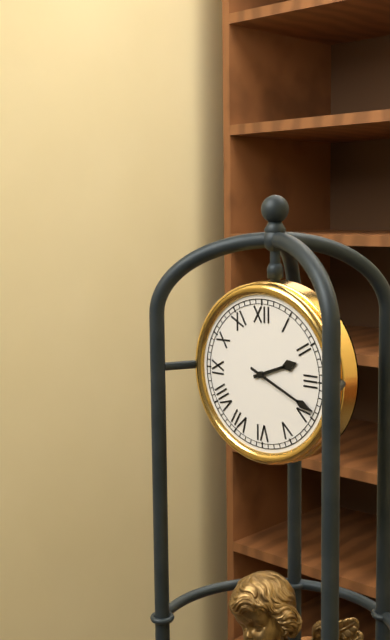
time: **2:19**
